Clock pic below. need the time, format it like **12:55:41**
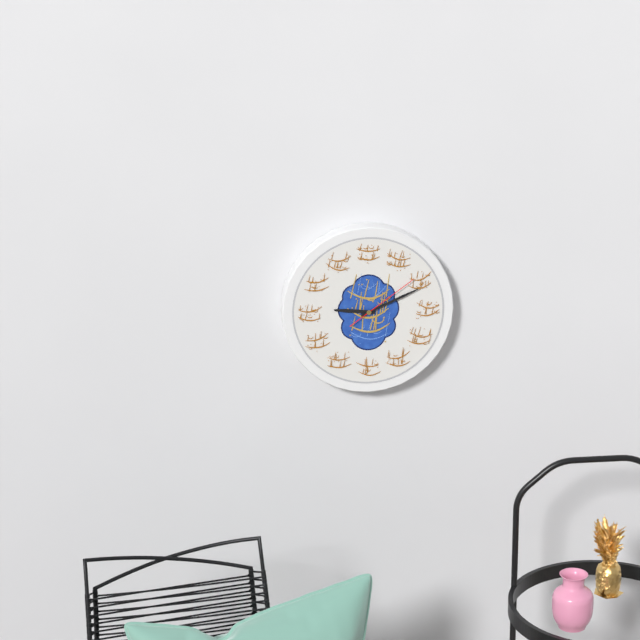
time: **9:11:09**
